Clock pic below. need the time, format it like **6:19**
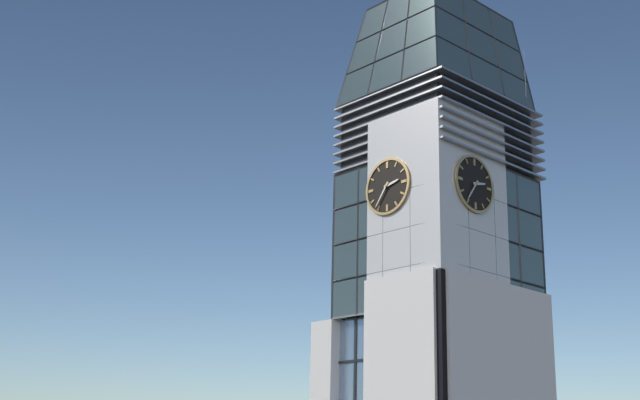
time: **2:36**
